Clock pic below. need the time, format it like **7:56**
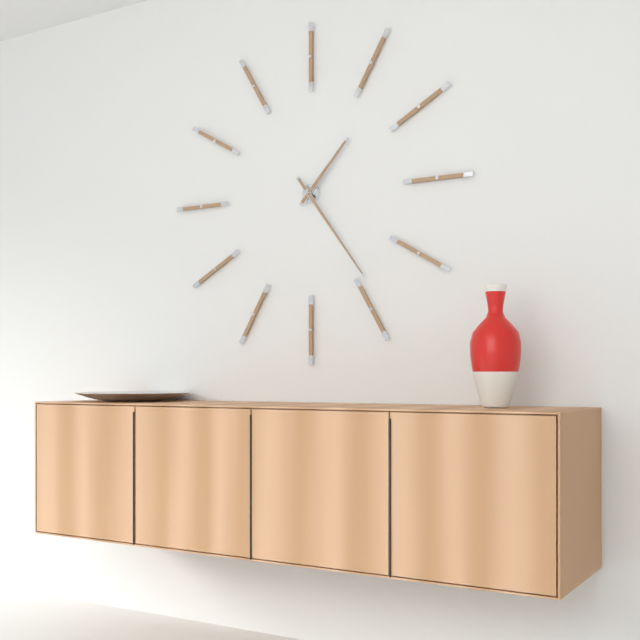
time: **1:24**
